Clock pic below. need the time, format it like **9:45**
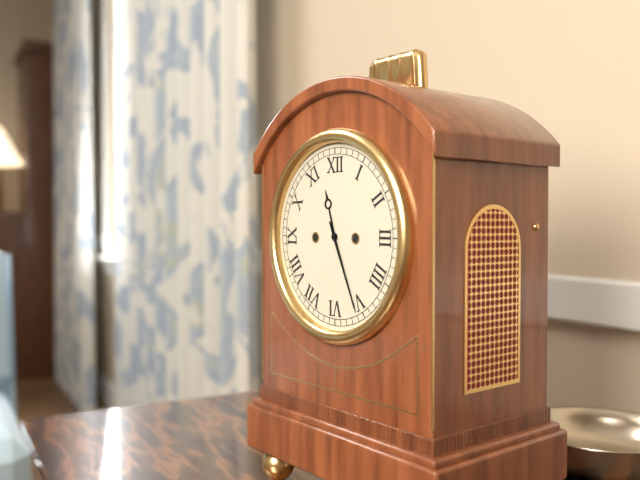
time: **11:26**
